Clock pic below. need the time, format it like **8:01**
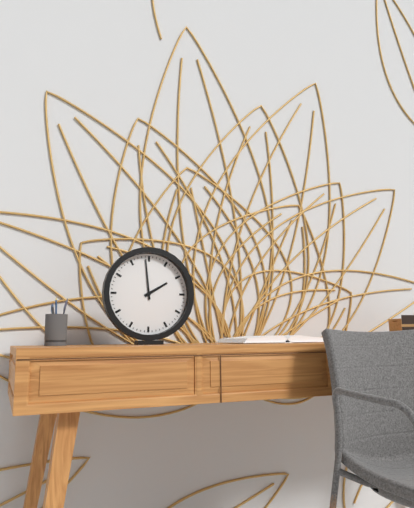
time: **1:59**
